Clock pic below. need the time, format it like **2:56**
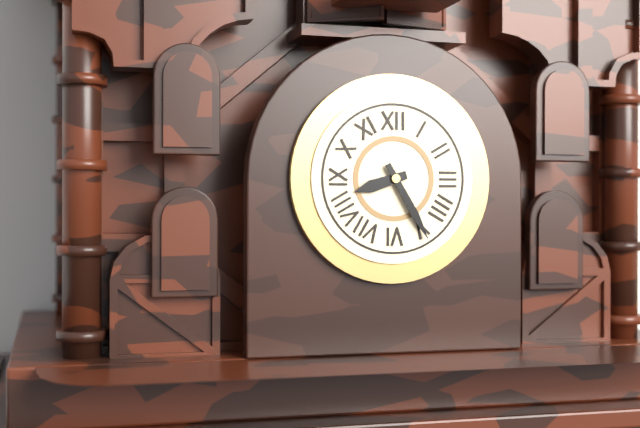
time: **8:25**
